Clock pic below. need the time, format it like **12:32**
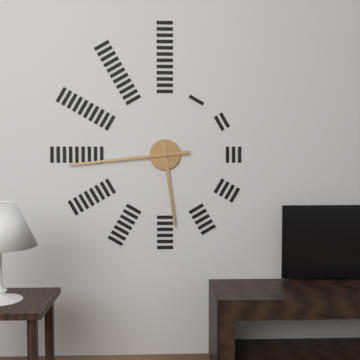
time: **5:44**
